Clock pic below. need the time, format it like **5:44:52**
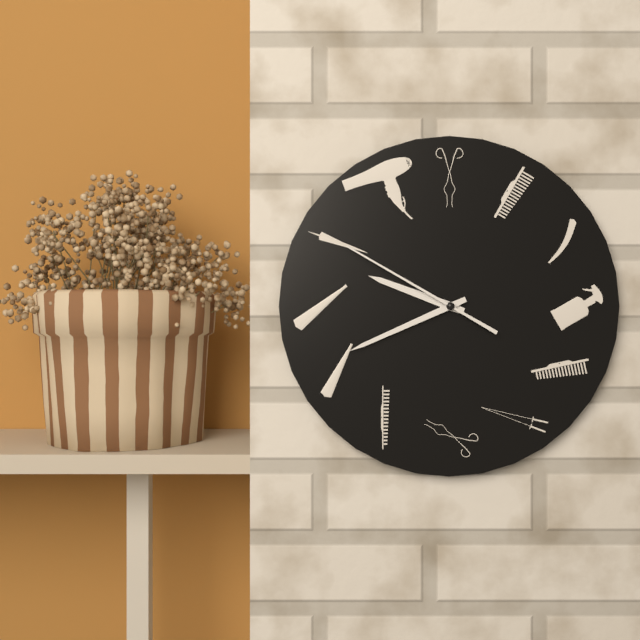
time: **9:41:50**
